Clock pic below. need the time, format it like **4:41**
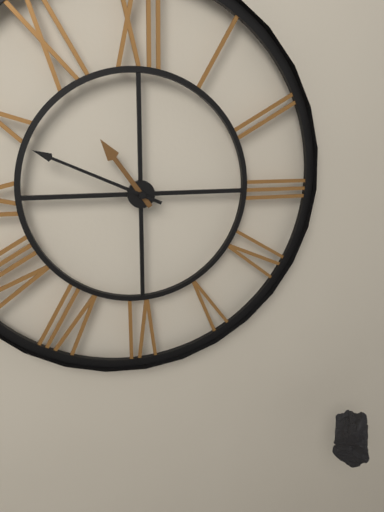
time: **10:49**
